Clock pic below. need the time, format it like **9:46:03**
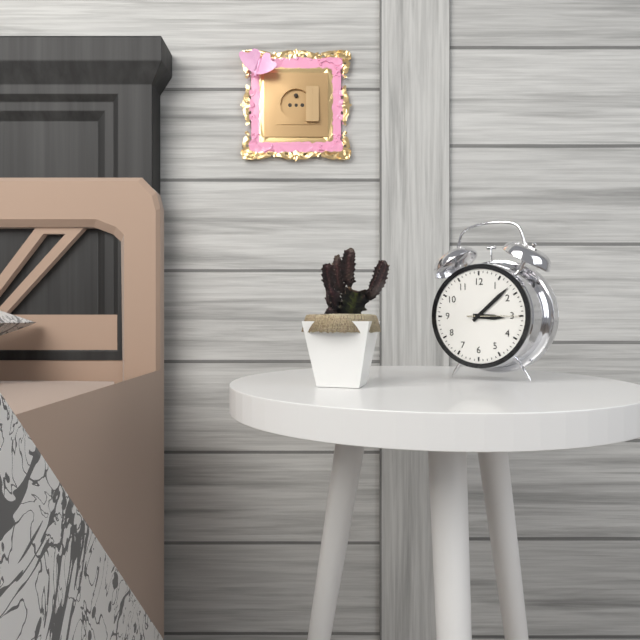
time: **3:08:15**
